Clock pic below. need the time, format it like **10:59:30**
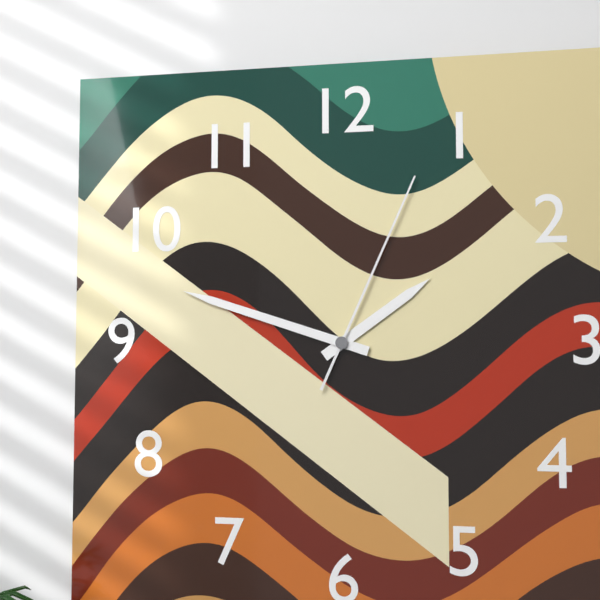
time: **1:48:04**
